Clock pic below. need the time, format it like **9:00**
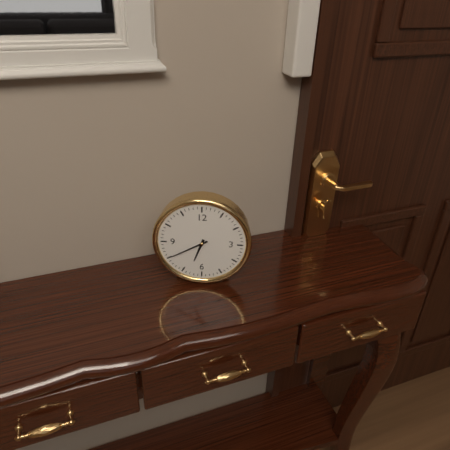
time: **6:40**
